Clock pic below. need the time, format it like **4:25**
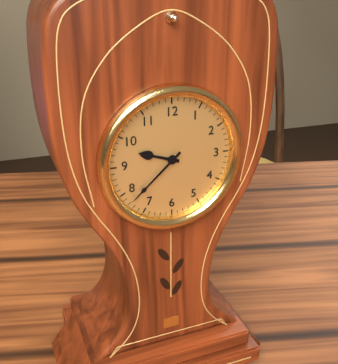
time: **9:38**
